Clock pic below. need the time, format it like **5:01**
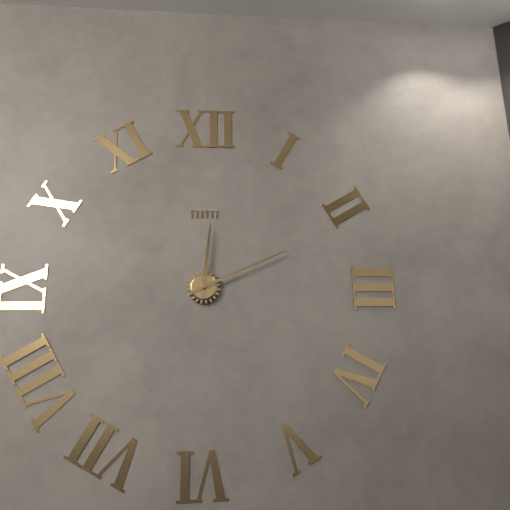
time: **12:11**
